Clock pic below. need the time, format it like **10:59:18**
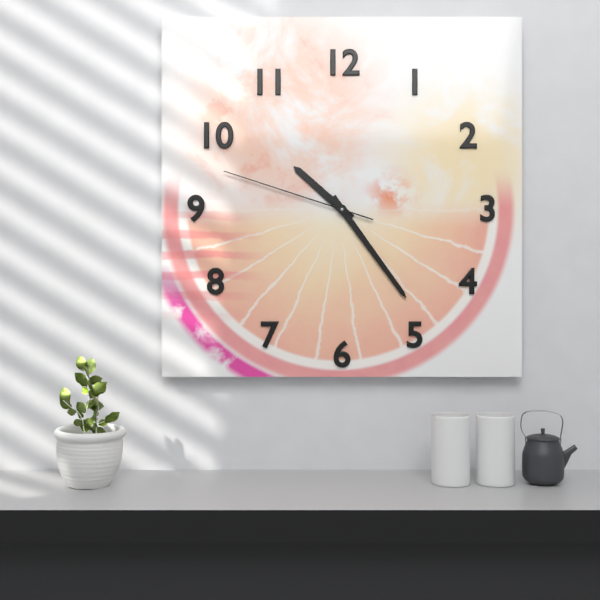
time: **10:24:48**
